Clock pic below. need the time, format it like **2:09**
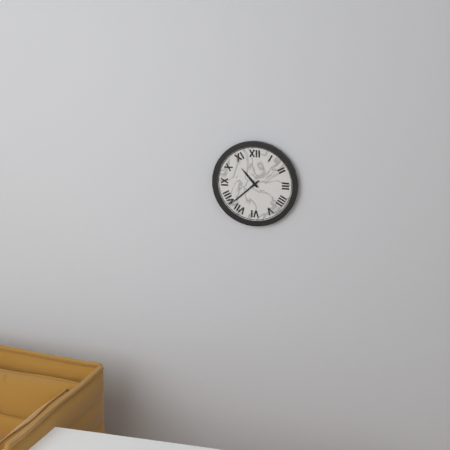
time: **10:38**
